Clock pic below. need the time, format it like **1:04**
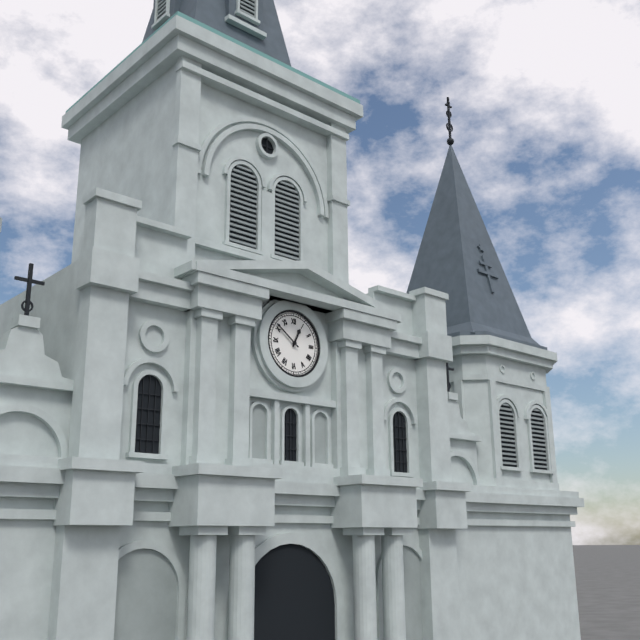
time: **12:51**
